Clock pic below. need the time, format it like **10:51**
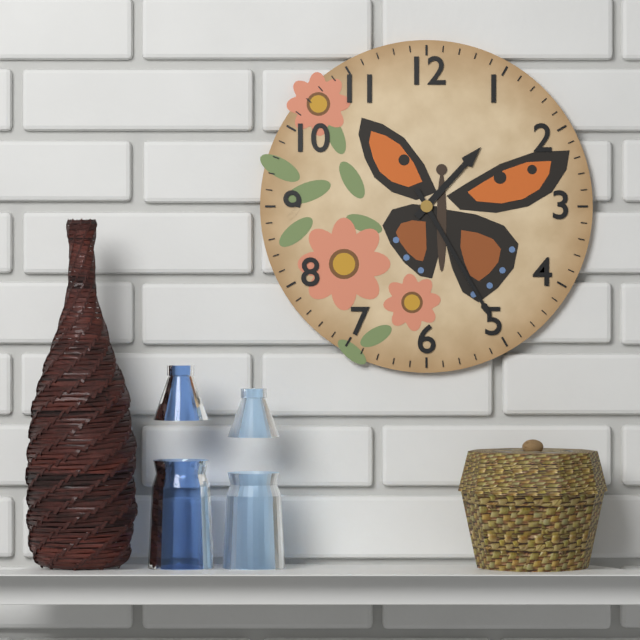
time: **1:25**
